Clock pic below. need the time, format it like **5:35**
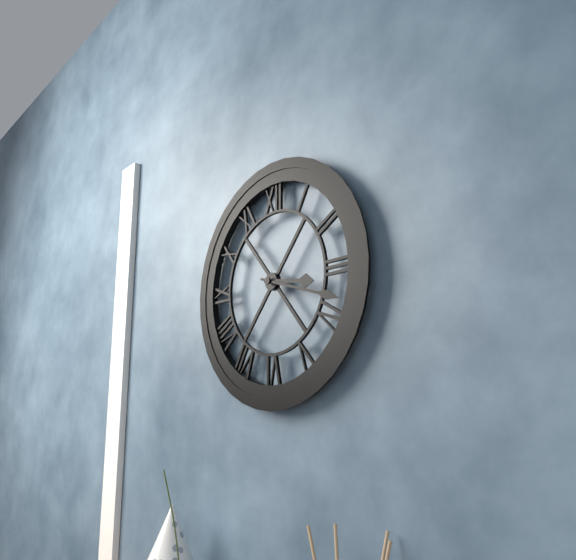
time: **3:18**
